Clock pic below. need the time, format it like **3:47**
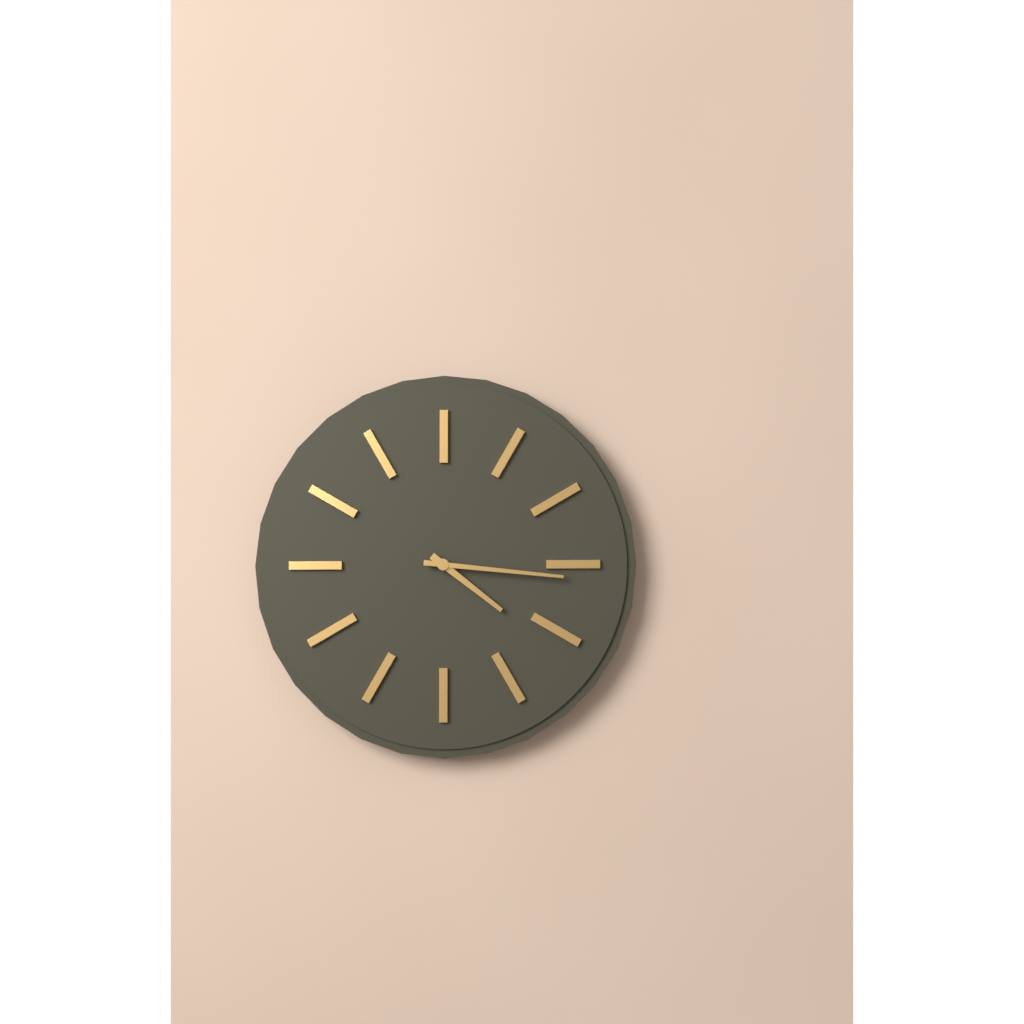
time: **4:16**
